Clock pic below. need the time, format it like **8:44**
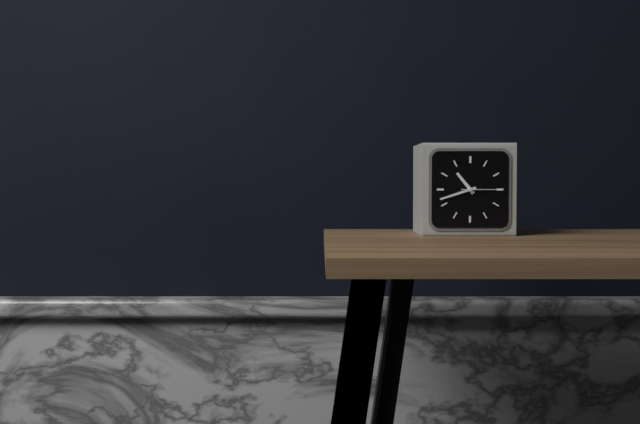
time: **10:42**
